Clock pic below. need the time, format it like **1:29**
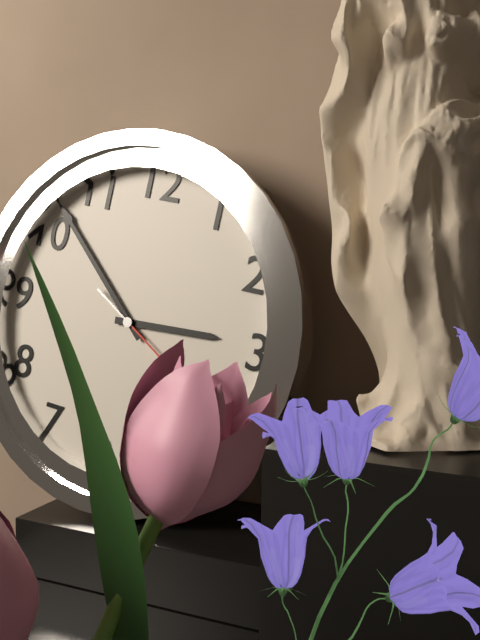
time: **2:52**
